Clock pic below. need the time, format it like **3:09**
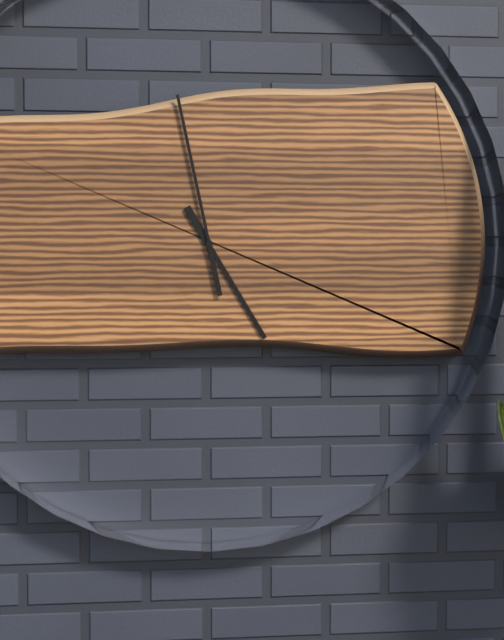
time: **4:58**
